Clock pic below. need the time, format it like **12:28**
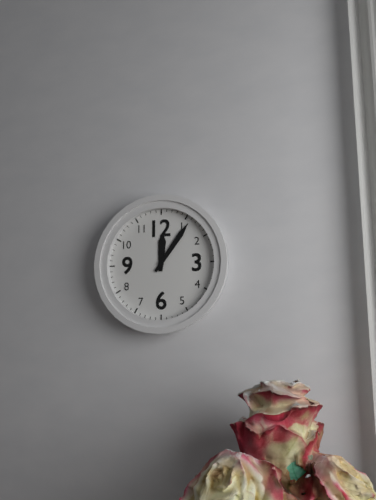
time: **12:06**
